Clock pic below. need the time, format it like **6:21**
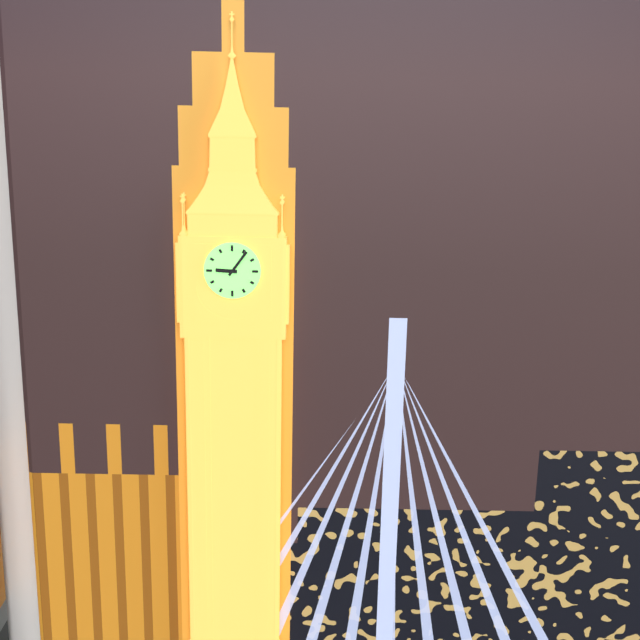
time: **9:06**
